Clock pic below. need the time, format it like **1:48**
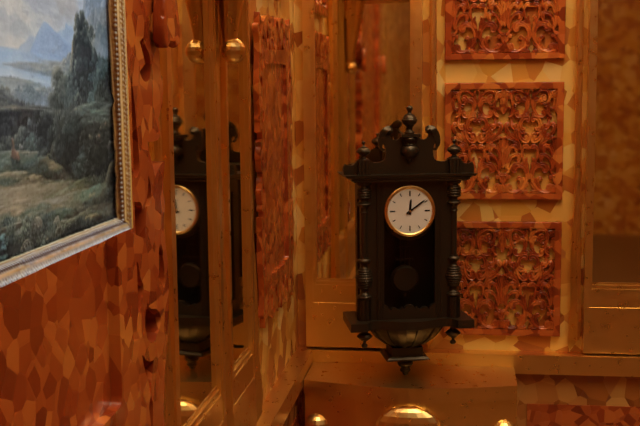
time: **12:09**
